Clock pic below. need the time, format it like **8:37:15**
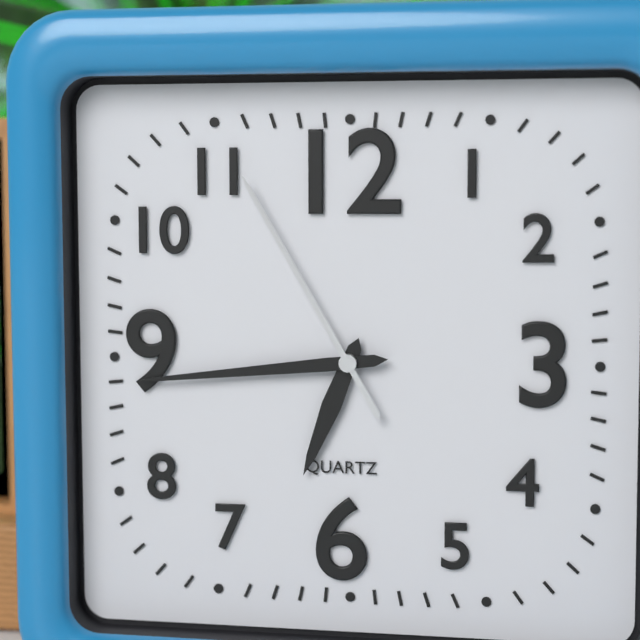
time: **6:44:55**
